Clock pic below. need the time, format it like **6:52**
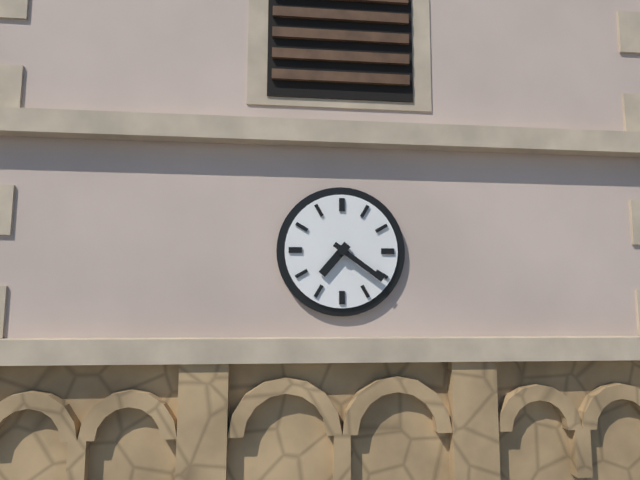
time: **7:21**
